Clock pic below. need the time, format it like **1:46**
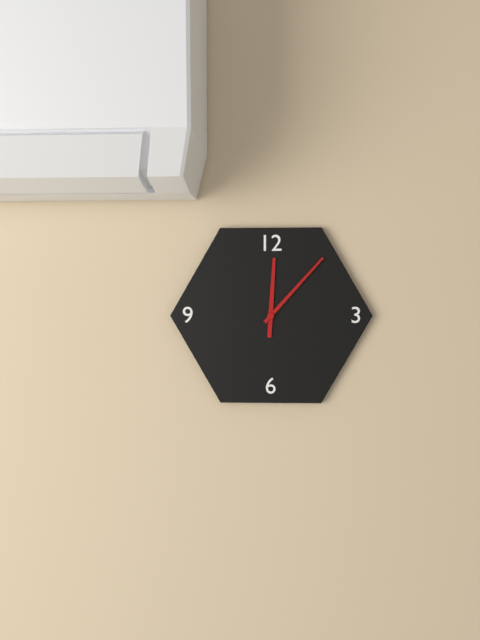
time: **12:07**
